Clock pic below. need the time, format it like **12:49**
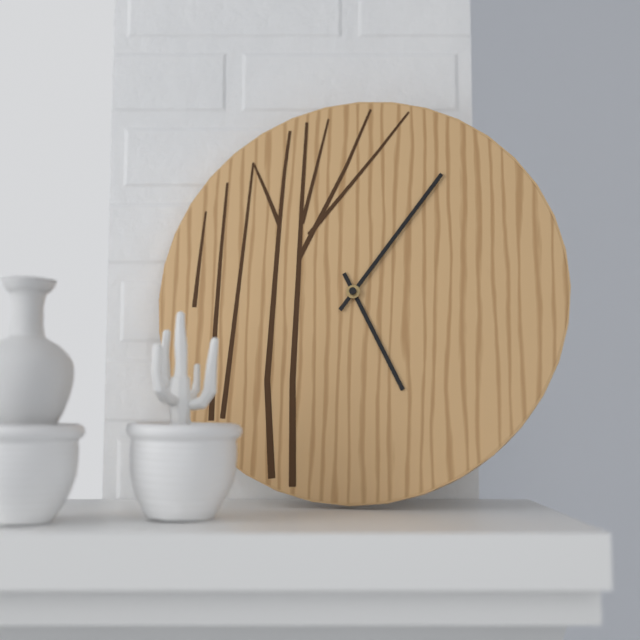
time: **5:06**
